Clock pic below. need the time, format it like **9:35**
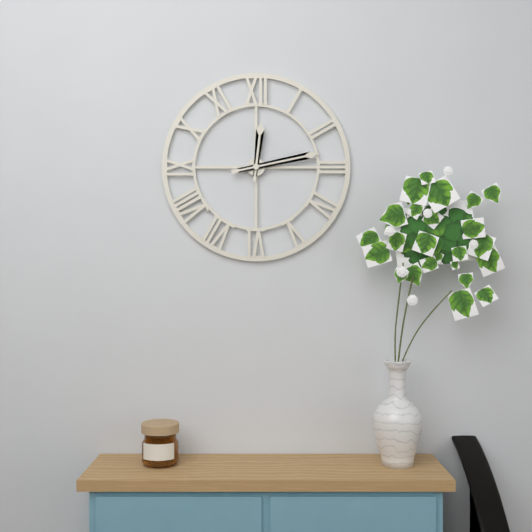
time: **12:13**
